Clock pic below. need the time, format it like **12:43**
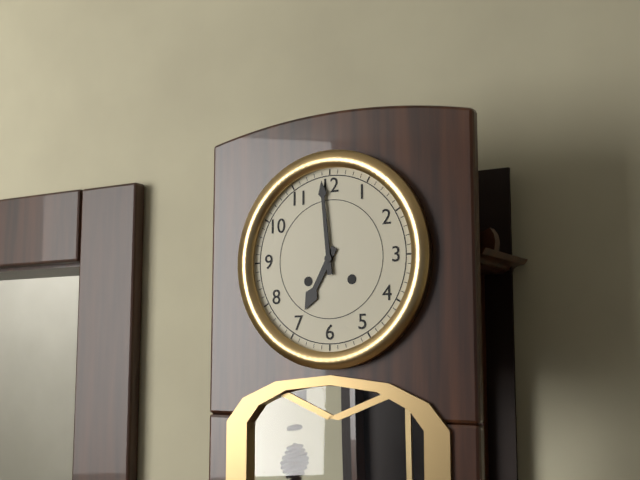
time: **6:59**
